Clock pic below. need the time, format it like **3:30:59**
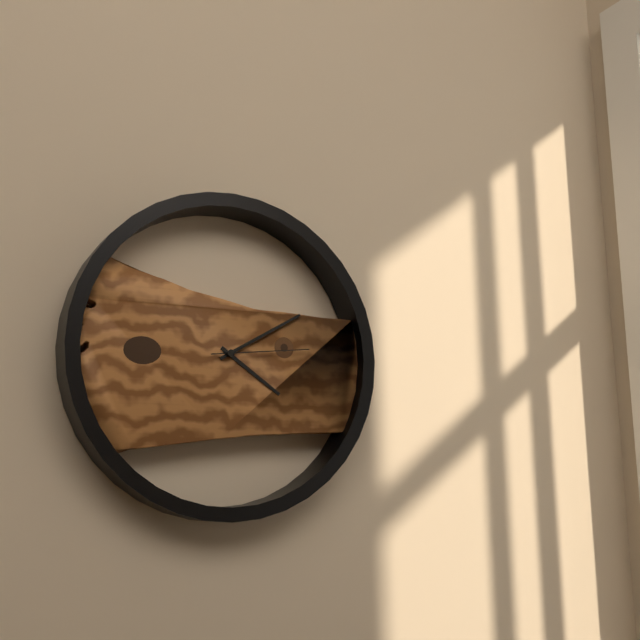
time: **4:10:14**
